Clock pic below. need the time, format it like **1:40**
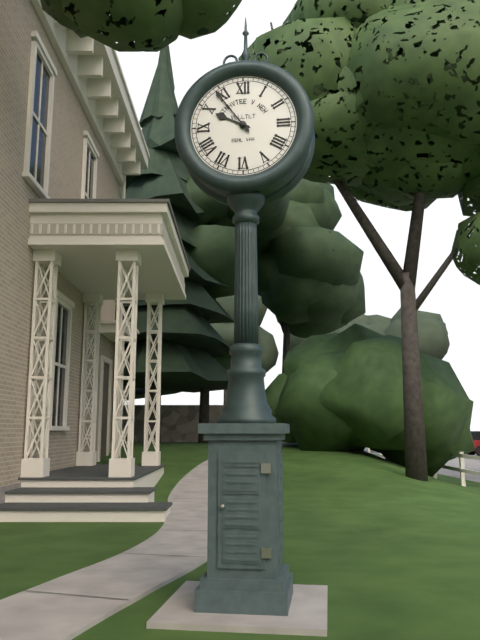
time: **9:54**
